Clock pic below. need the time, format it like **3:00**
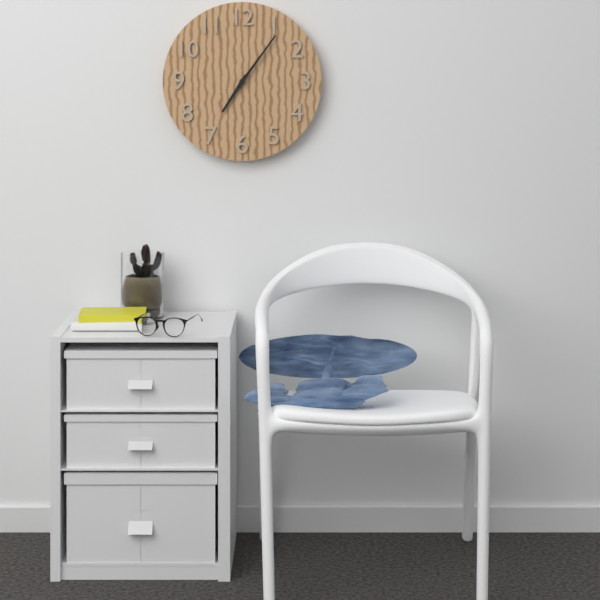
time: **7:06**
